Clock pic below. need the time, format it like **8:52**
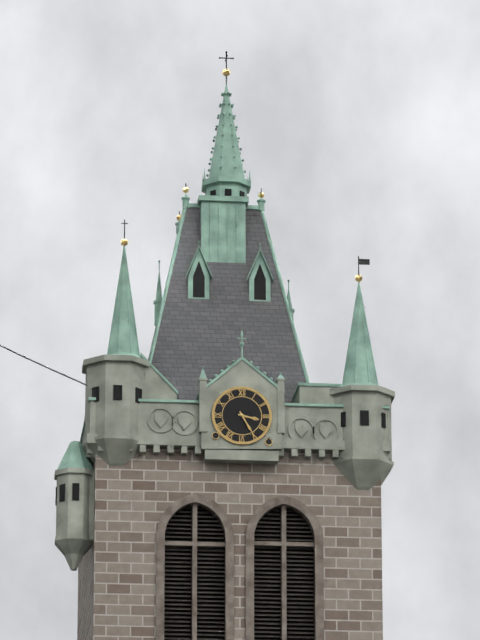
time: **3:25**
